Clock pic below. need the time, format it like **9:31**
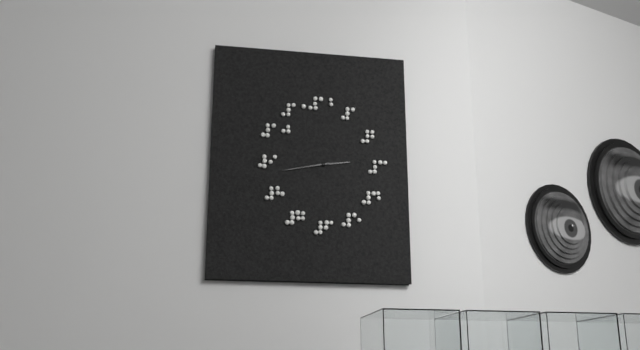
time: **2:43**
